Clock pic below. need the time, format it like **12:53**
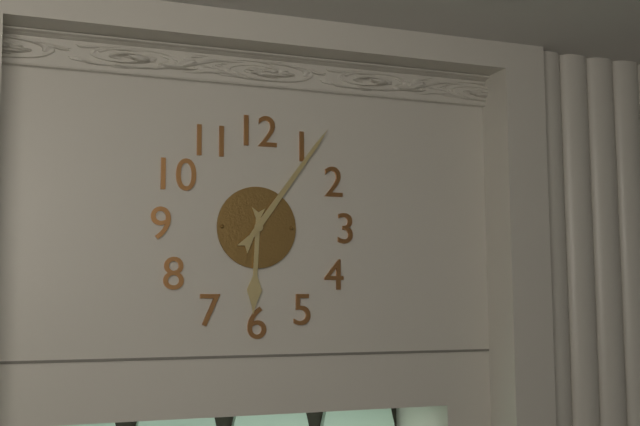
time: **6:06**
